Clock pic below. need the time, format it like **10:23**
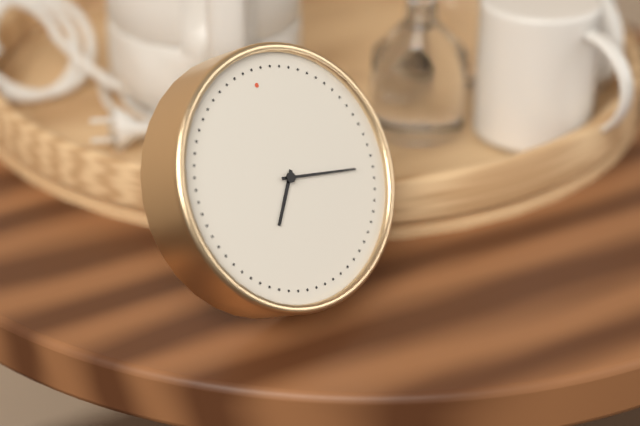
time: **7:17**
